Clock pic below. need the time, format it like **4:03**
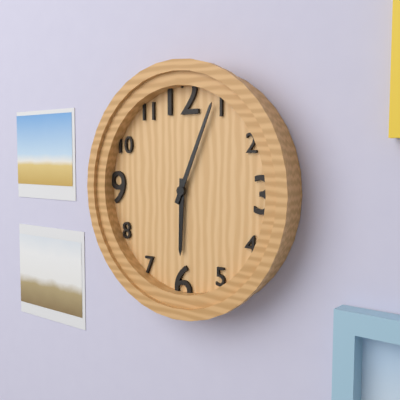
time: **6:04**
